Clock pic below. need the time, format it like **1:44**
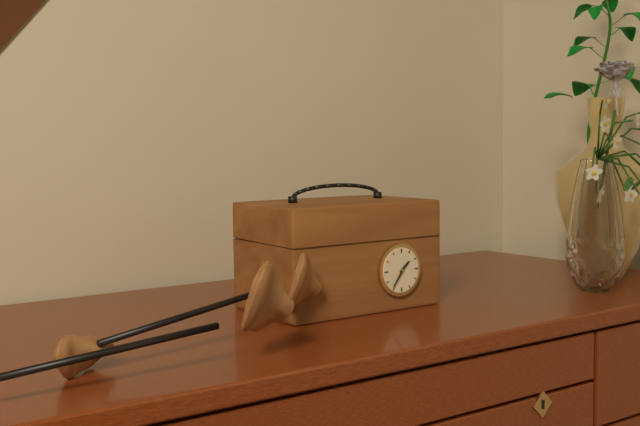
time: **1:36**
